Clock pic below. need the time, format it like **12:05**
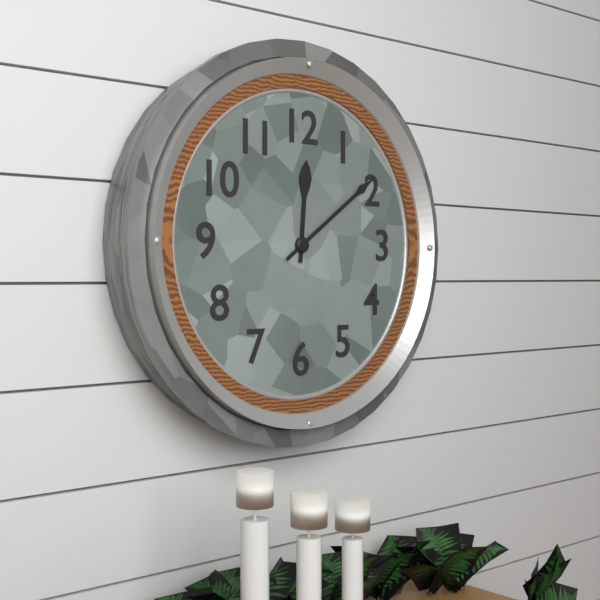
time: **12:09**
